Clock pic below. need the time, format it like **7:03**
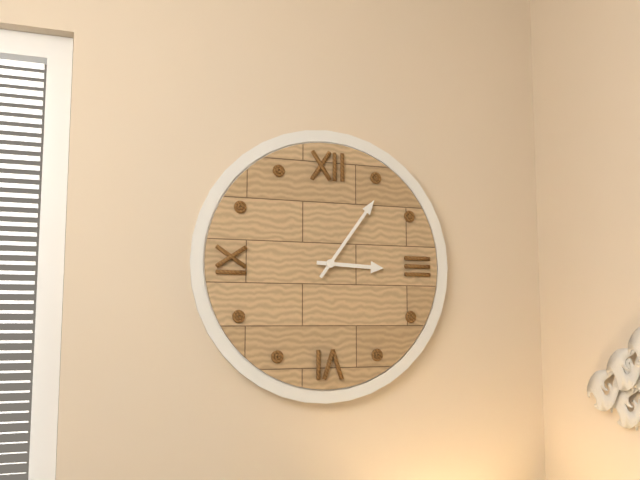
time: **3:06**
